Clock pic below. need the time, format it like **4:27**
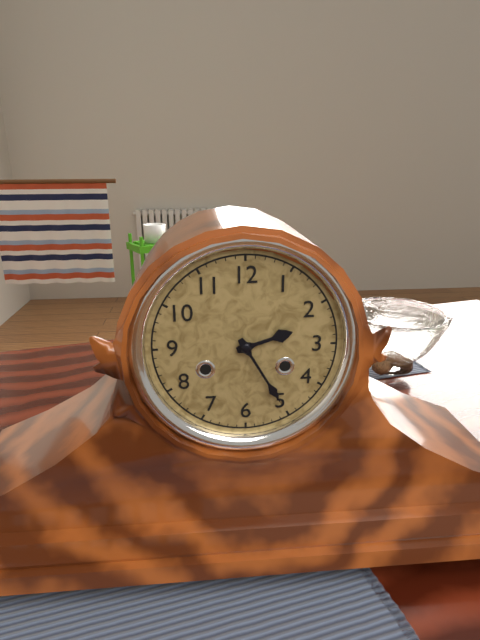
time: **2:25**
